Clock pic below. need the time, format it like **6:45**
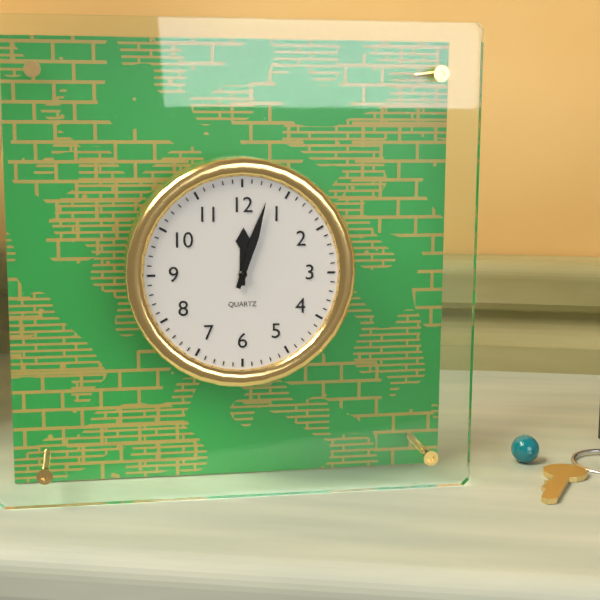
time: **12:03**
